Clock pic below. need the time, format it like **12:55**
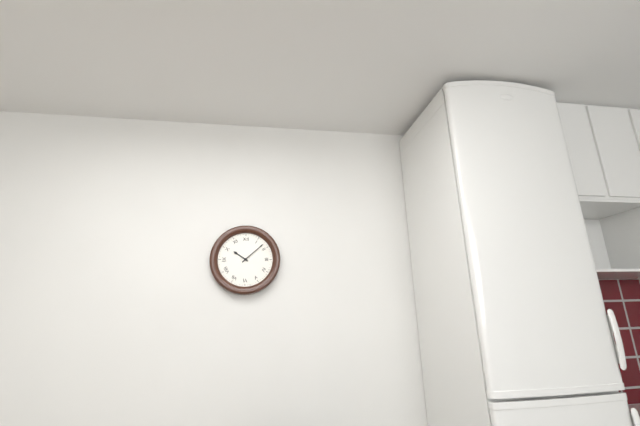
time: **10:08**
